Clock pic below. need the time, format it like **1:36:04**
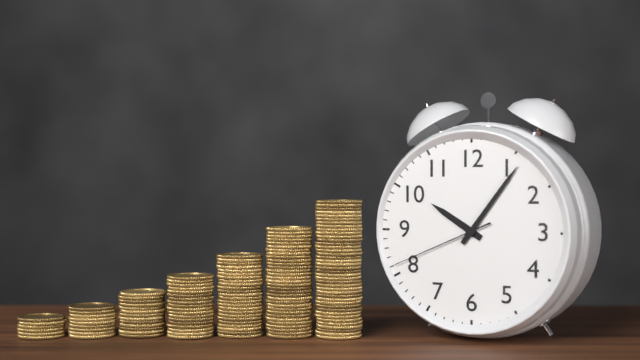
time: **10:06:41**
